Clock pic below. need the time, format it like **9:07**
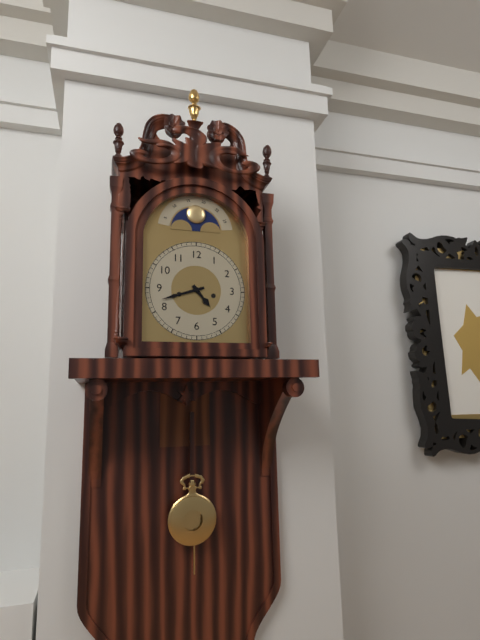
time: **4:42**
